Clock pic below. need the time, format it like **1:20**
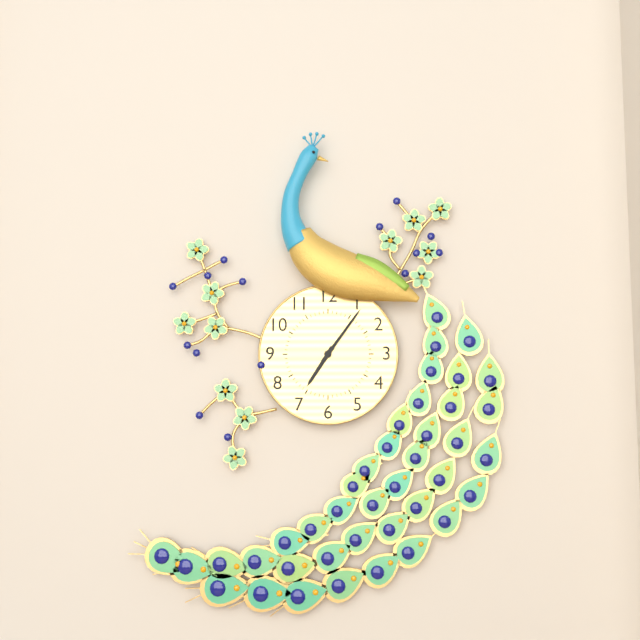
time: **7:06**
